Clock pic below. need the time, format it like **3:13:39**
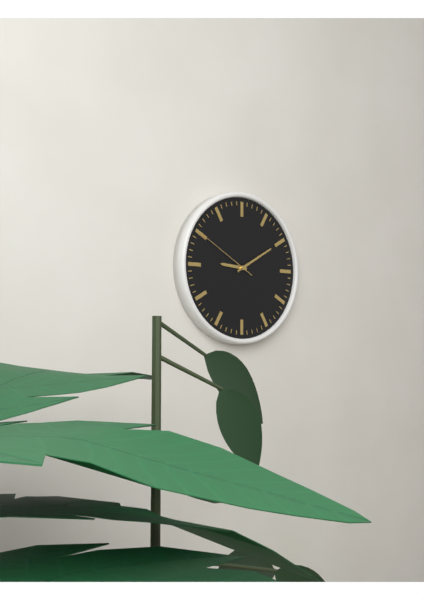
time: **9:10:50**
